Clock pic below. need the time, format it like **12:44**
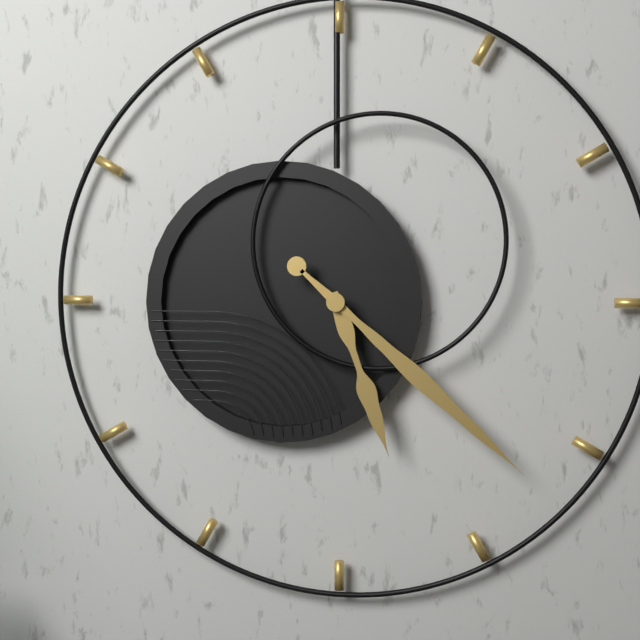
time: **5:22**
